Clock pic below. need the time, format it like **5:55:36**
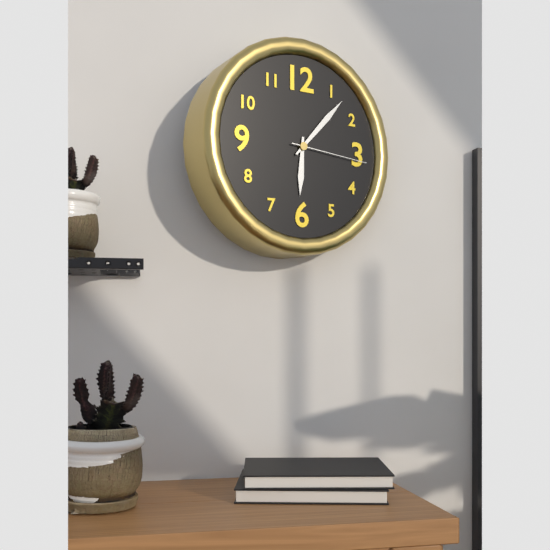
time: **6:07:16**
